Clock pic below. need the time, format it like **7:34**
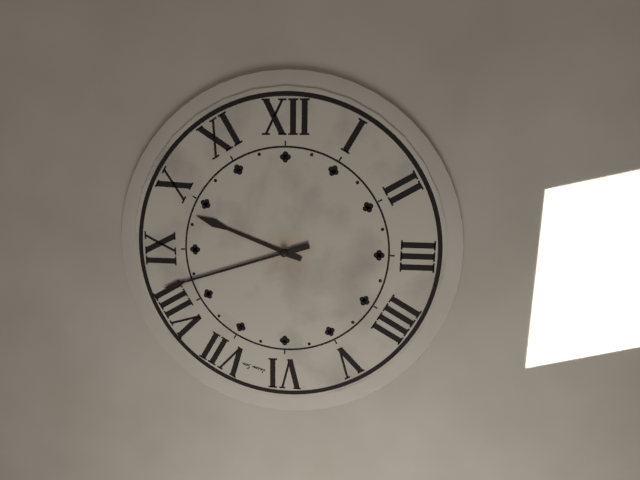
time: **9:42**
